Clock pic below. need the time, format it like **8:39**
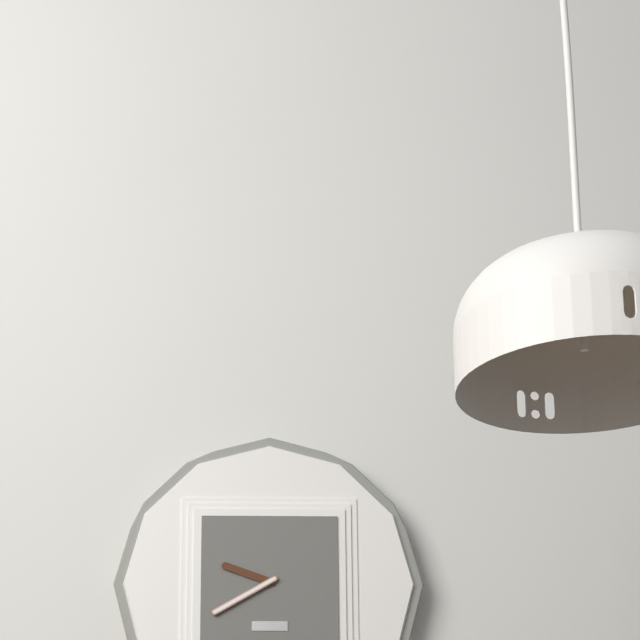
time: **9:40**
